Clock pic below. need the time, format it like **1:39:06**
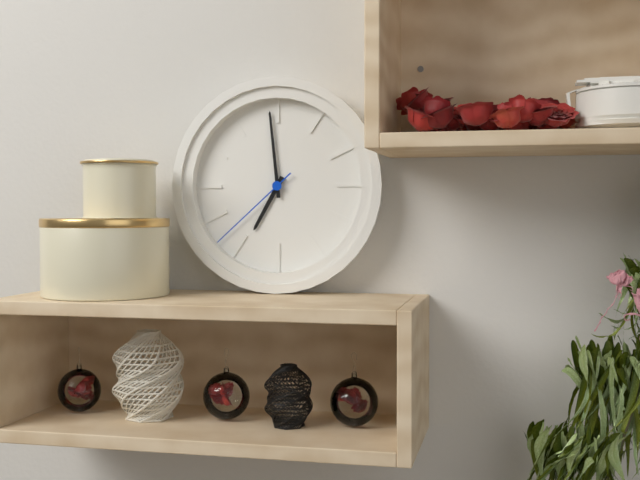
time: **6:59:38**
